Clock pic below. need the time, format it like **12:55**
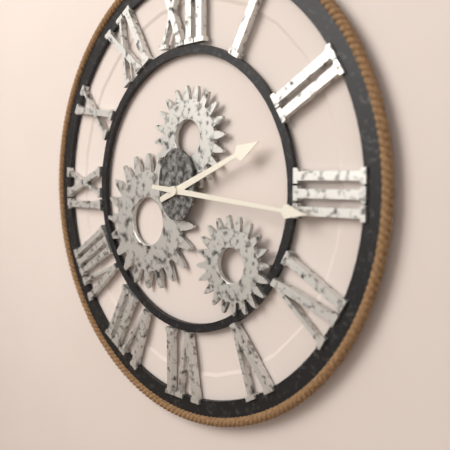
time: **2:16**
